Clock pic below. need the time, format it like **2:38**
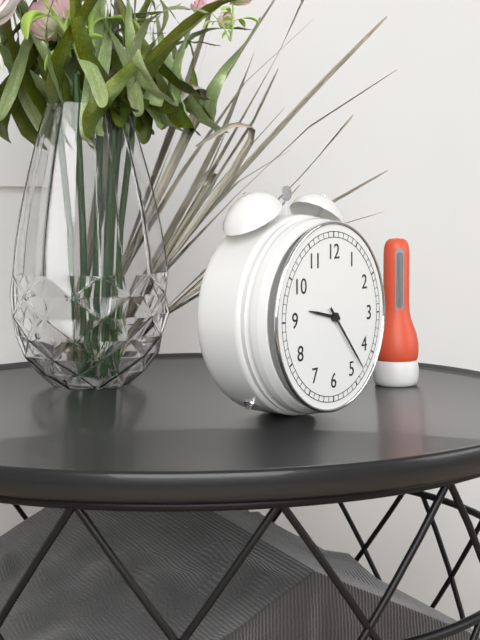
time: **9:23**
